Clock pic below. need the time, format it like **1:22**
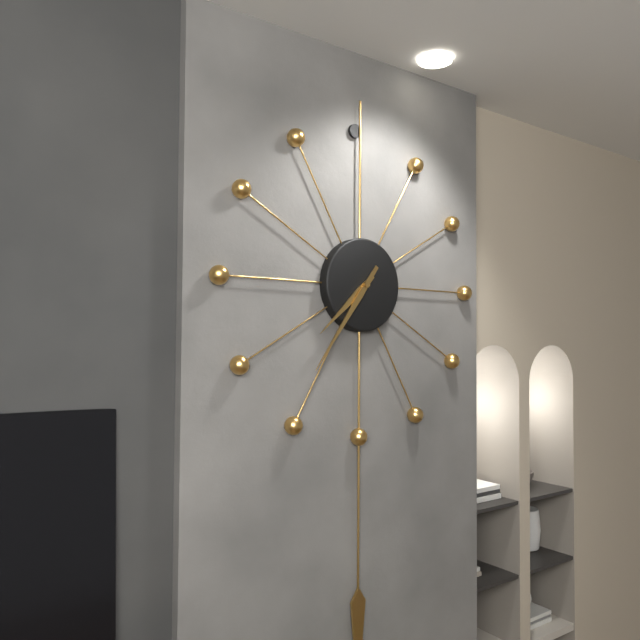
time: **7:36**
